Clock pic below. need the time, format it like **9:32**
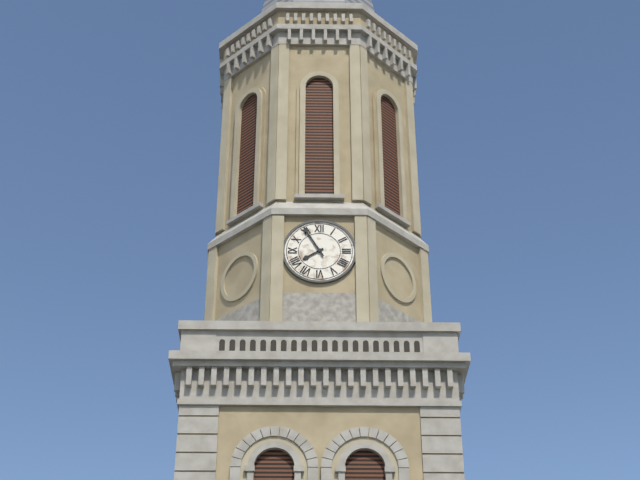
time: **7:55**
